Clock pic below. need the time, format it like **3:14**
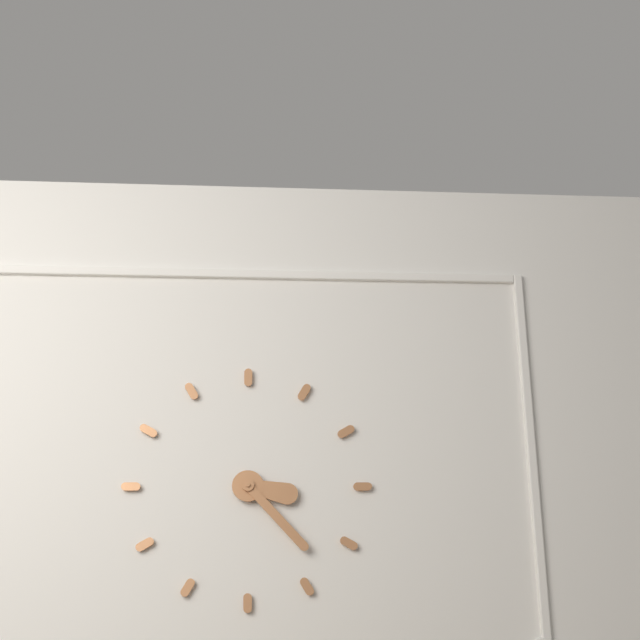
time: **3:23**
